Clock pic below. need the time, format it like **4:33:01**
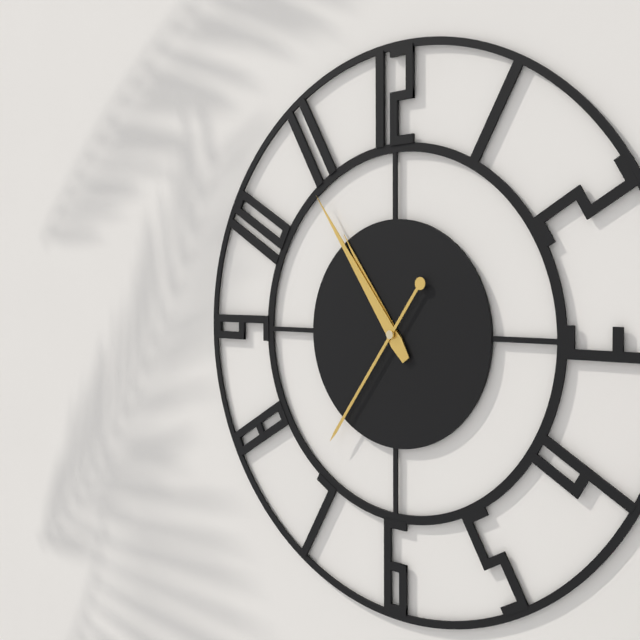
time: **10:54:36**
